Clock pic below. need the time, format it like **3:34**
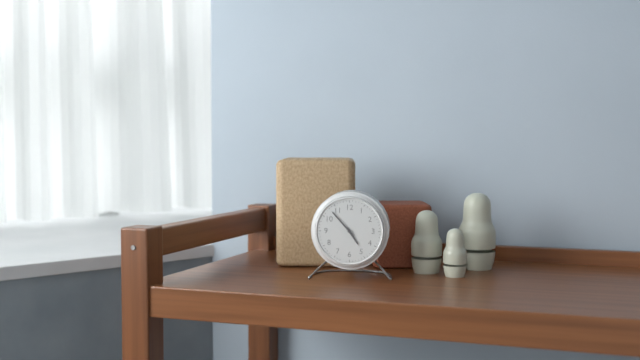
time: **4:53**
